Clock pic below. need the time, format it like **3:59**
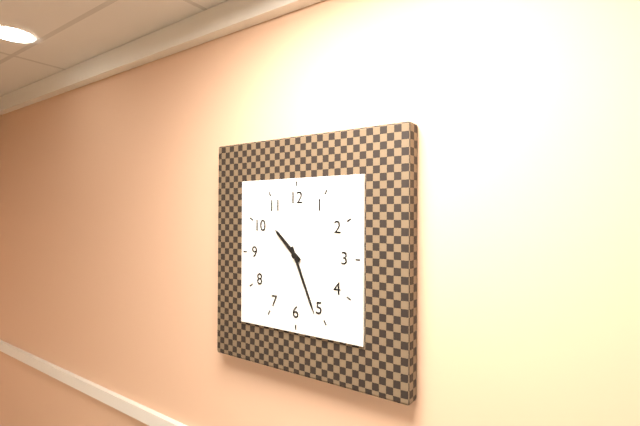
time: **10:26**
